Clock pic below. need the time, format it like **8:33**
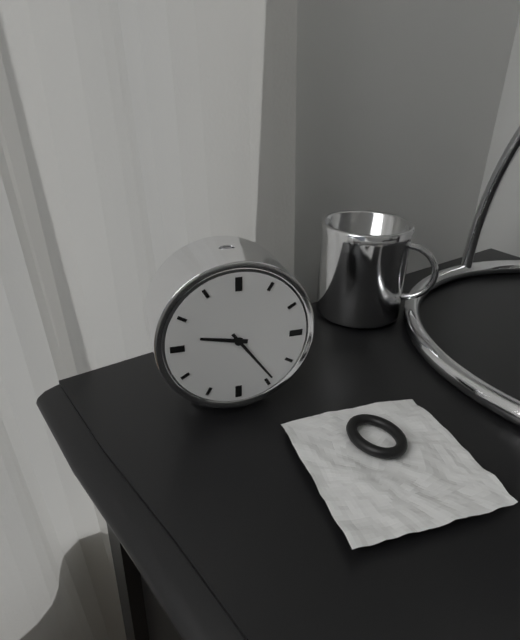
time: **9:24**
